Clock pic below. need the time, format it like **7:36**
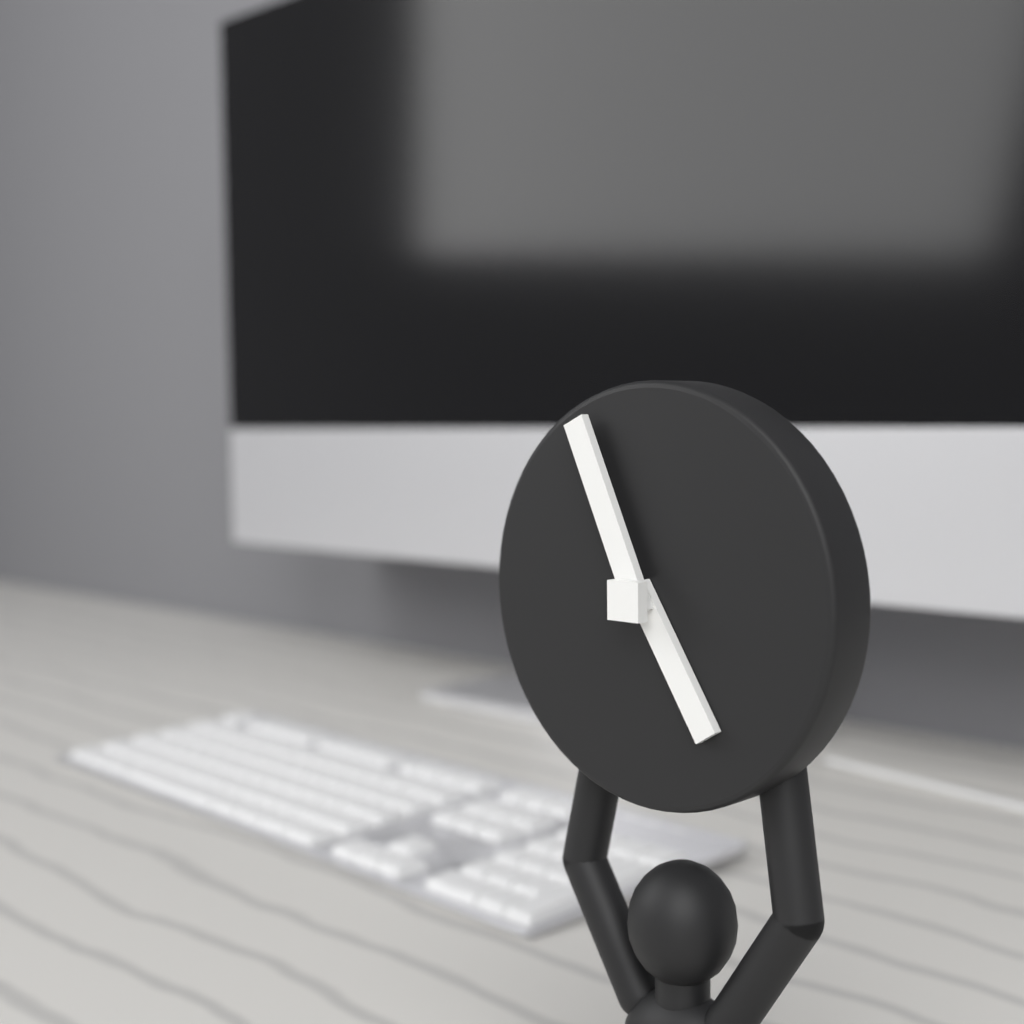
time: **4:56**
